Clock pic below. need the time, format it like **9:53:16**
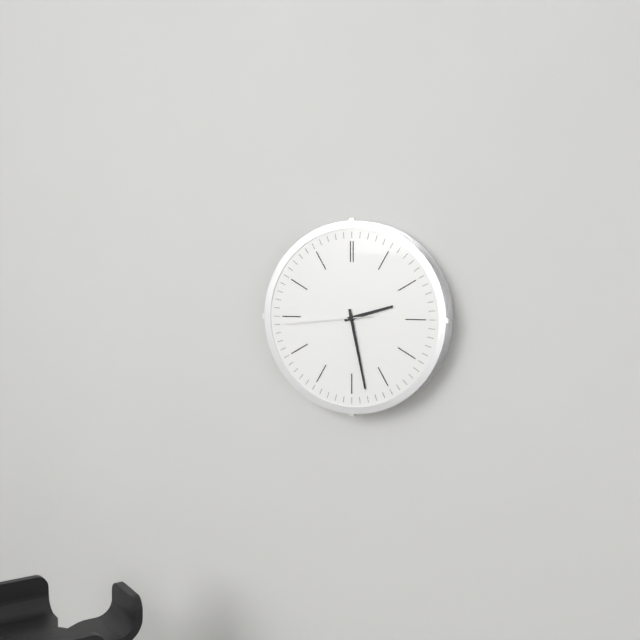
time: **2:28:44**
